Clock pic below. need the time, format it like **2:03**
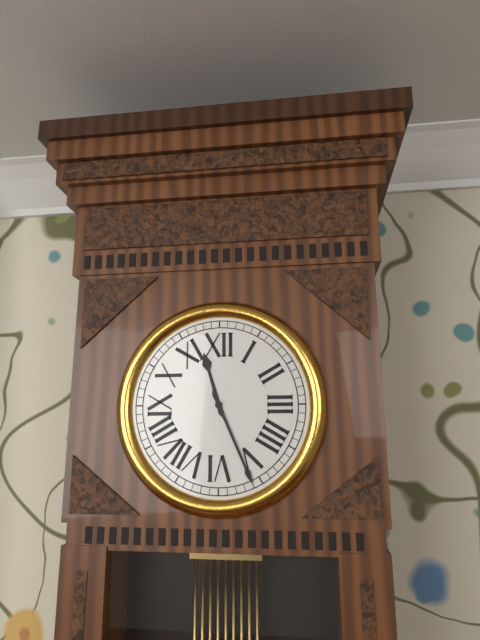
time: **11:26**
